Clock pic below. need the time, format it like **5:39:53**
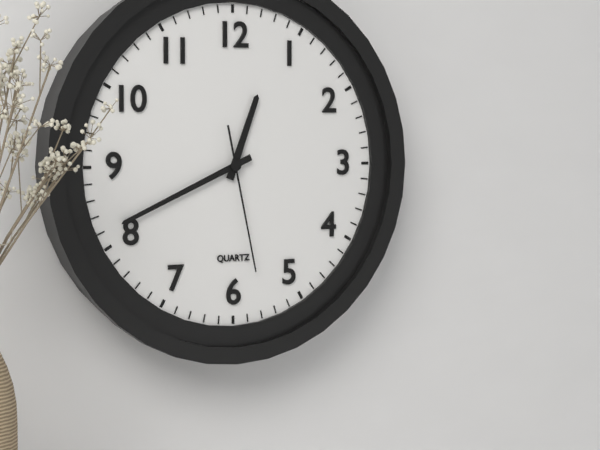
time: **12:41:28**
